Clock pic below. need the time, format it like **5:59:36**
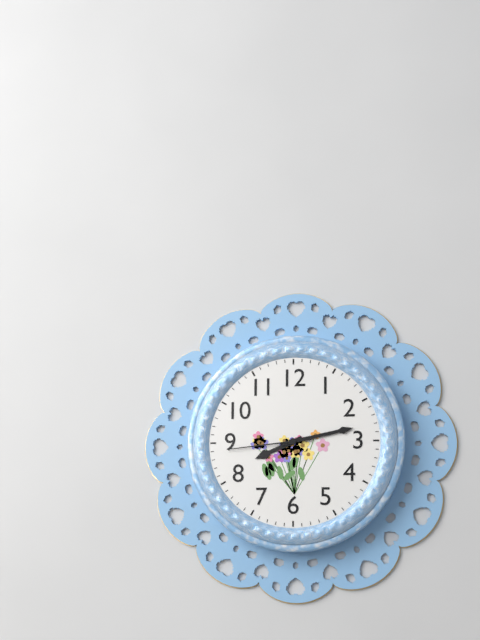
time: **8:13:44**
